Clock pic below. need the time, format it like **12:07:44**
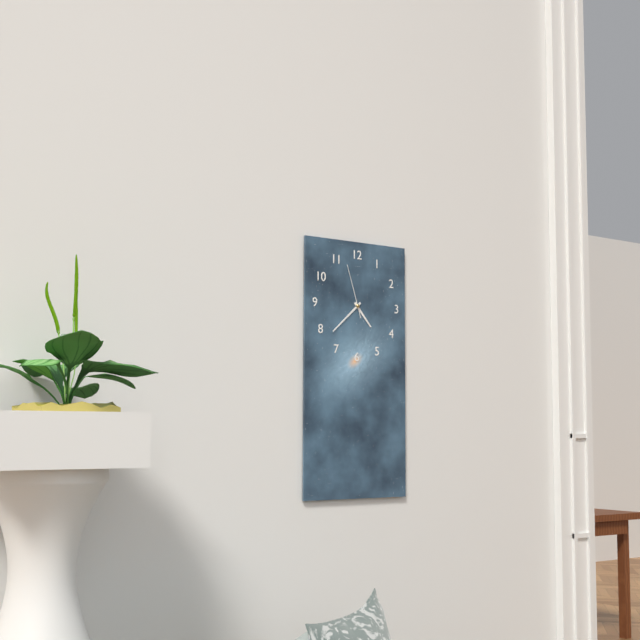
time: **4:38:57**
